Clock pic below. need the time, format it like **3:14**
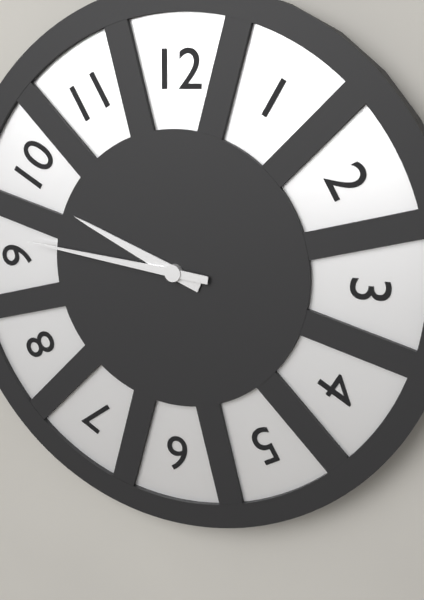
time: **9:46**
